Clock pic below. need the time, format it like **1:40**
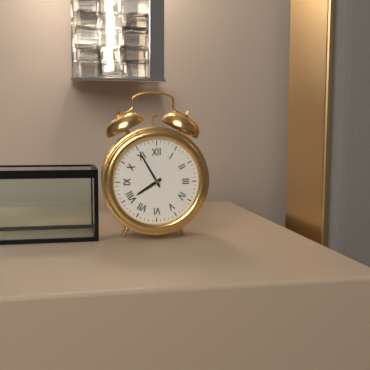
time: **7:55**
